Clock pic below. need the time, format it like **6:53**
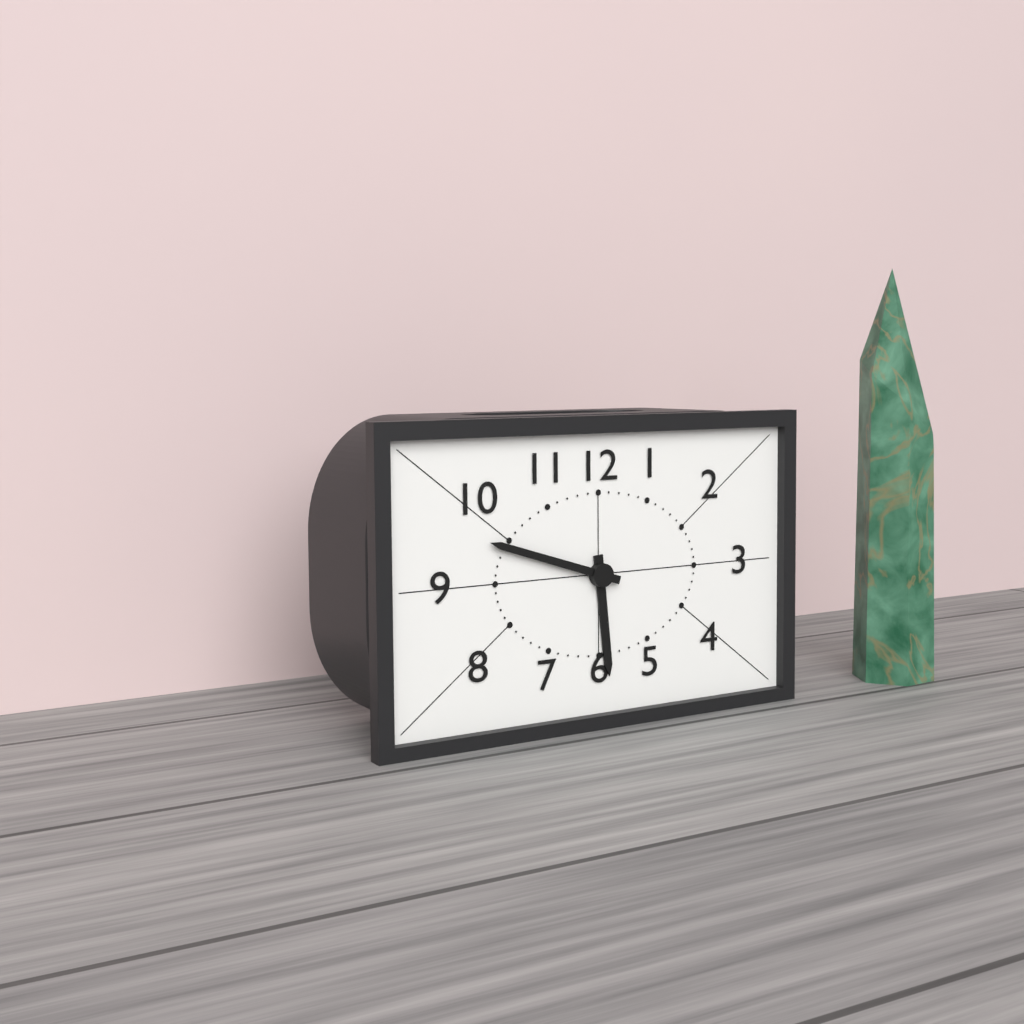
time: **5:48**
